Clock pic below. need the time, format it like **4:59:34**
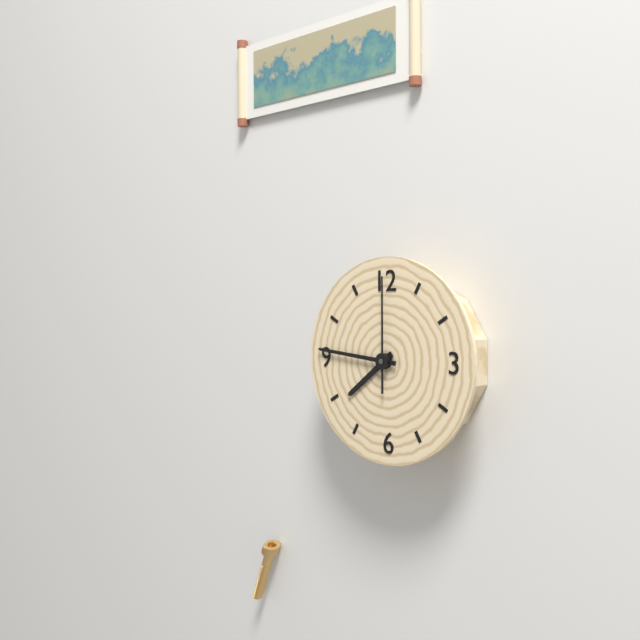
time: **7:46:00**
